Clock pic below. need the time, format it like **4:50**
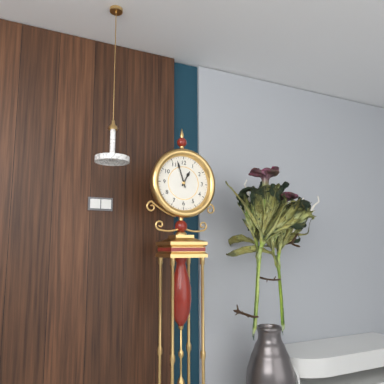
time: **12:57**
